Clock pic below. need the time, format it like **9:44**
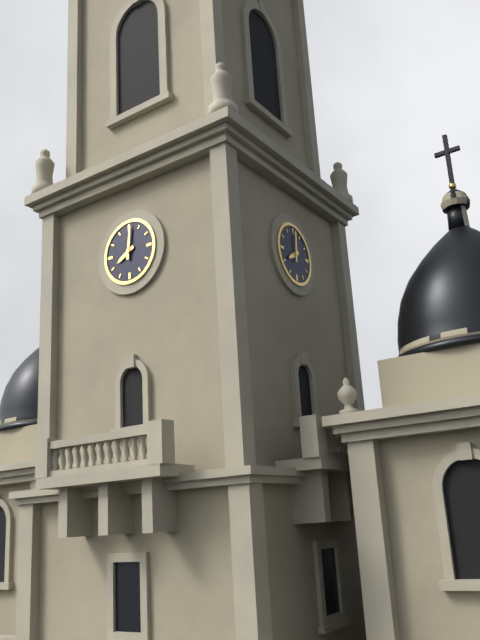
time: **8:01**
